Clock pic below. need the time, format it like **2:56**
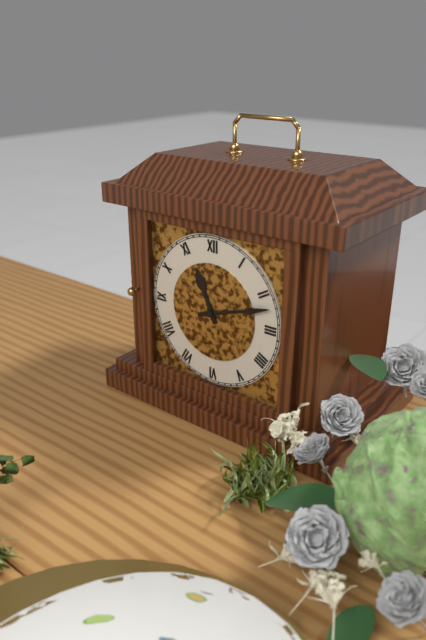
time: **11:12**
